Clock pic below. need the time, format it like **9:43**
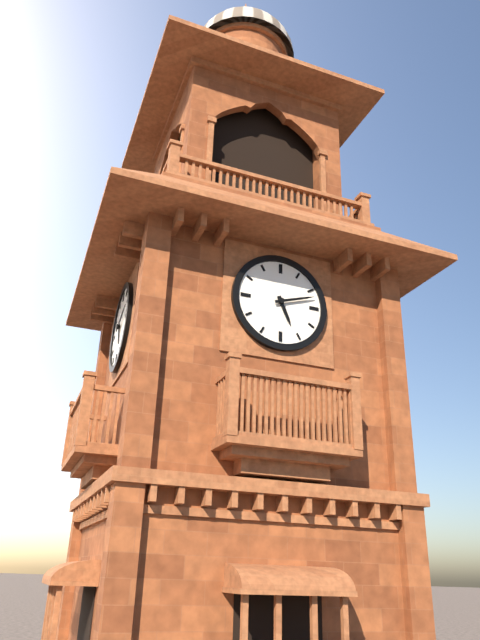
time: **5:12**
